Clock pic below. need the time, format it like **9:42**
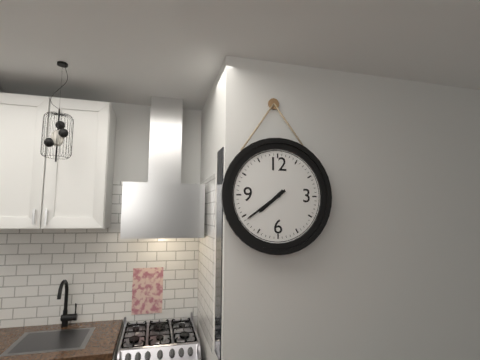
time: **7:39**
